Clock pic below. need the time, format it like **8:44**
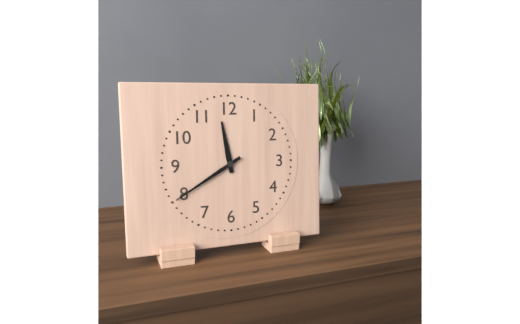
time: **11:40**
